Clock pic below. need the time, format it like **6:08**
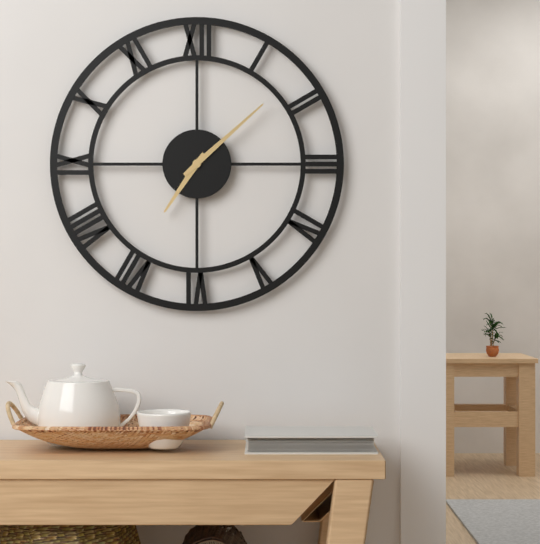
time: **7:08**
